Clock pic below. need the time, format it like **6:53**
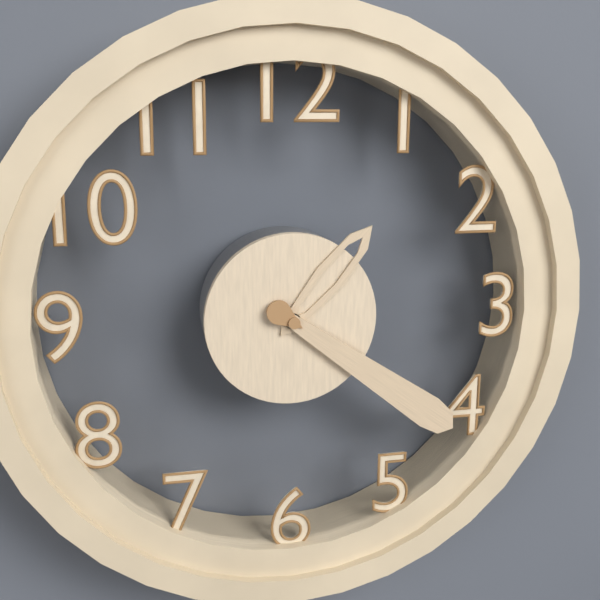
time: **1:21**
